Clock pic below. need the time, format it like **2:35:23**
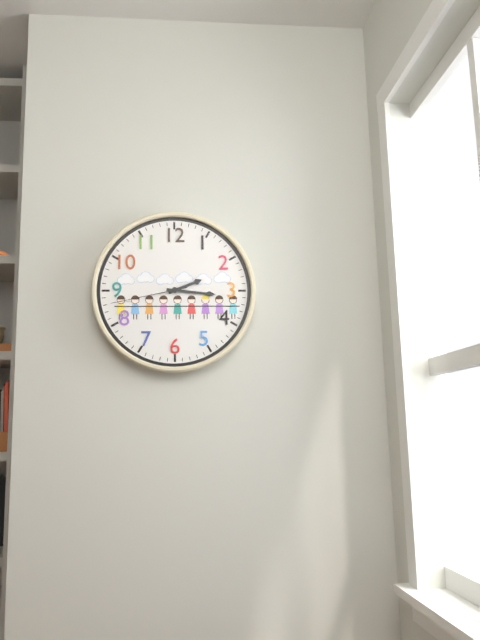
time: **2:16:43**
